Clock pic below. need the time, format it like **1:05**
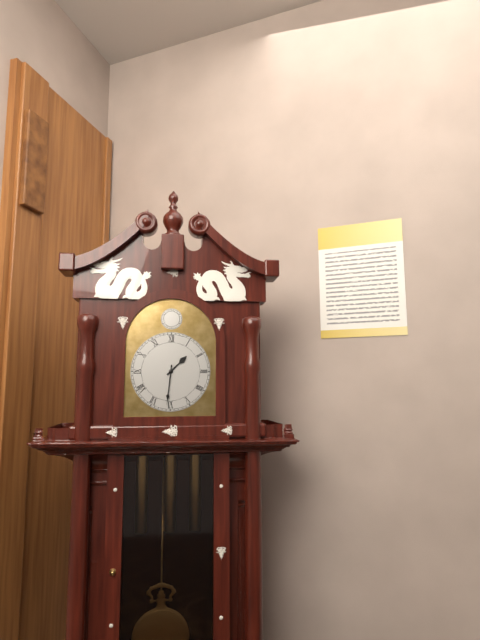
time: **1:31**
